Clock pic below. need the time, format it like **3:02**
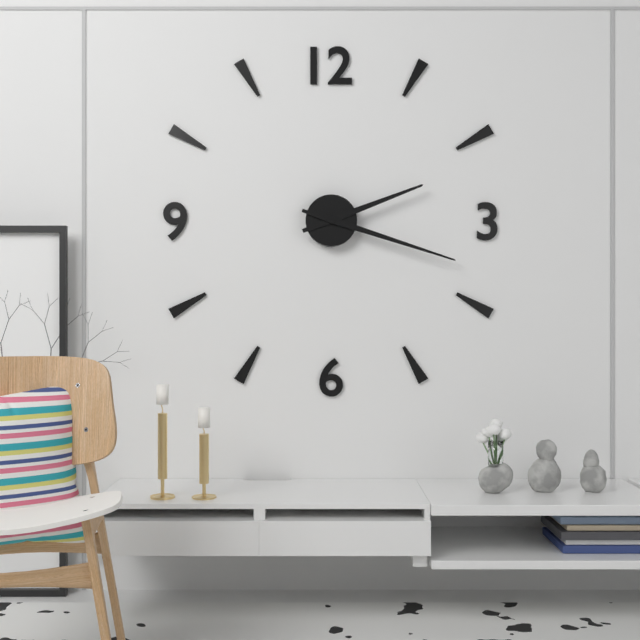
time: **2:18**
